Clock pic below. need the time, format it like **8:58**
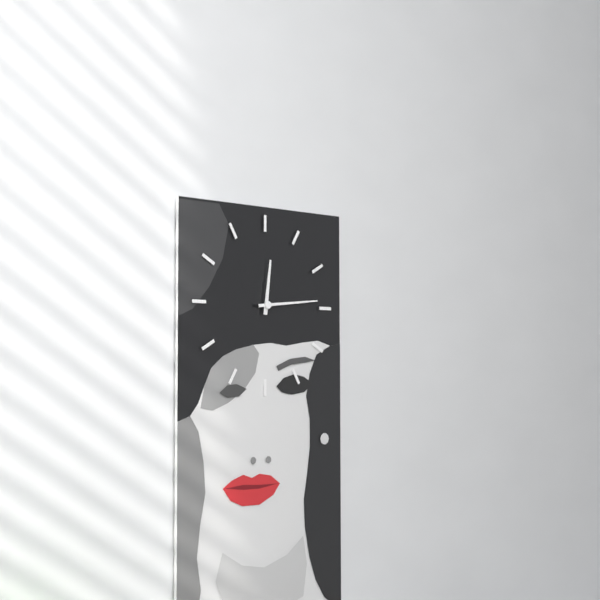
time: **12:14**
